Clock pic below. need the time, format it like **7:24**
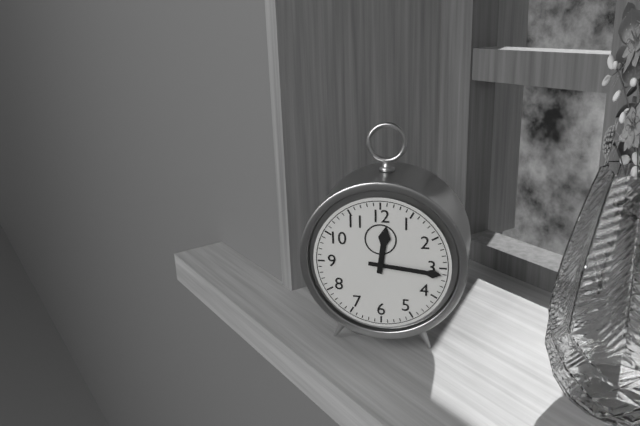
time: **12:16**
